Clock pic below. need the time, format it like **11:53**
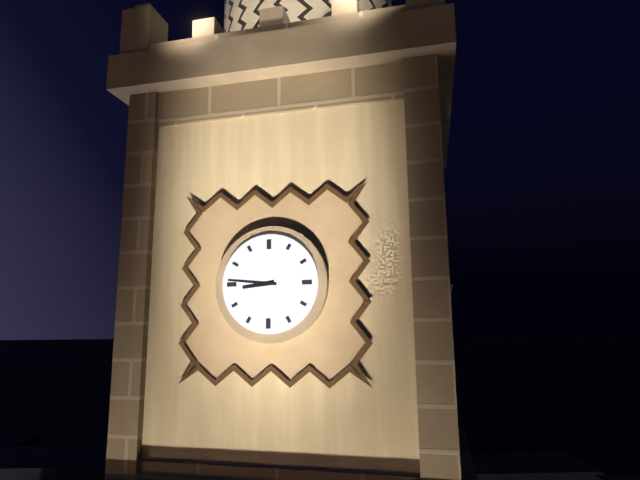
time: **8:46**
